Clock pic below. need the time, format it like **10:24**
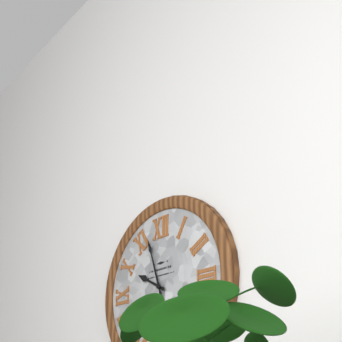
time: **9:57**
